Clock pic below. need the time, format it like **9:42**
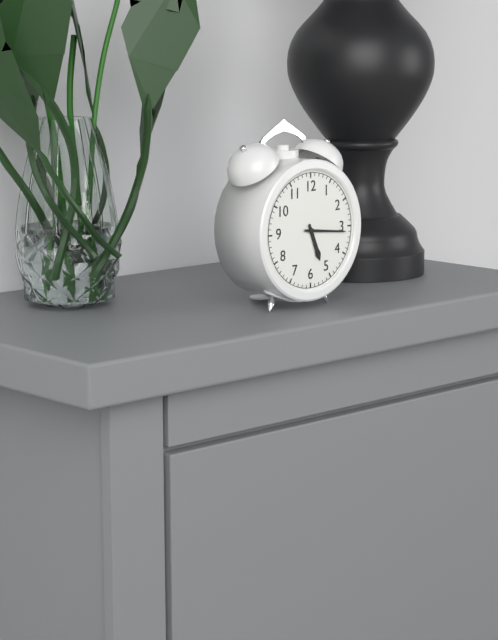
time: **5:16**
